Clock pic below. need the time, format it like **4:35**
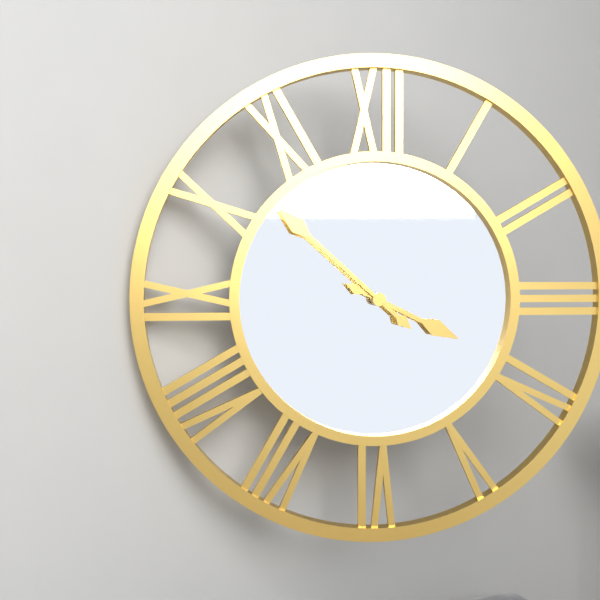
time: **3:52**
